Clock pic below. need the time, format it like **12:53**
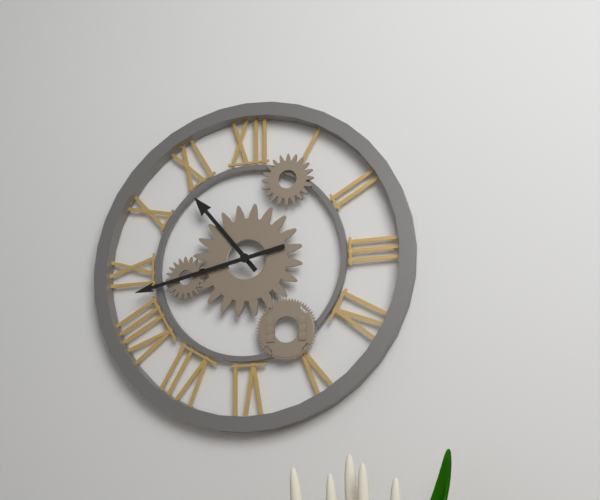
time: **10:43**
